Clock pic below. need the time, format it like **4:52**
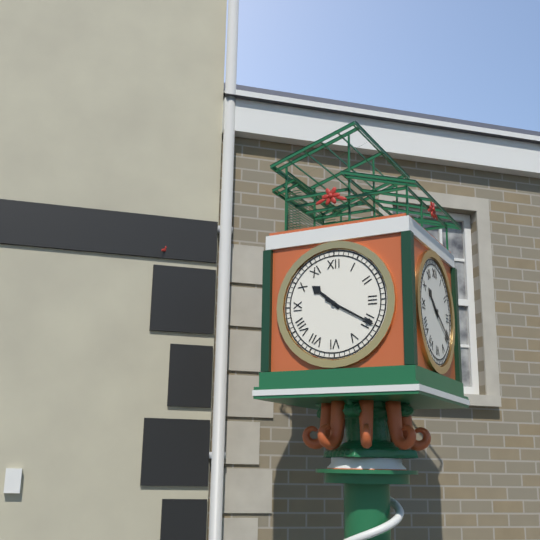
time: **10:20**
